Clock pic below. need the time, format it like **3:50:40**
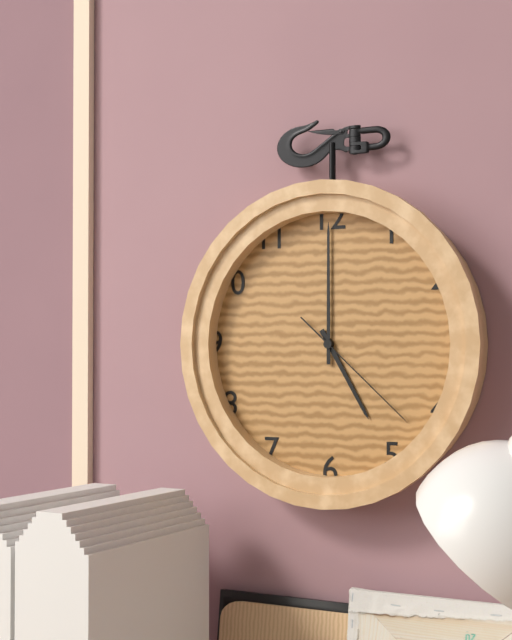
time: **5:00:22**
